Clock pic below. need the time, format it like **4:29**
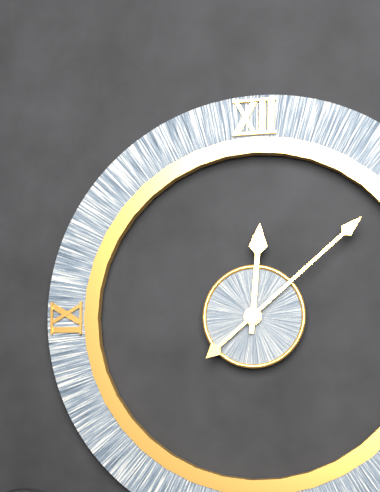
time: **12:08**
